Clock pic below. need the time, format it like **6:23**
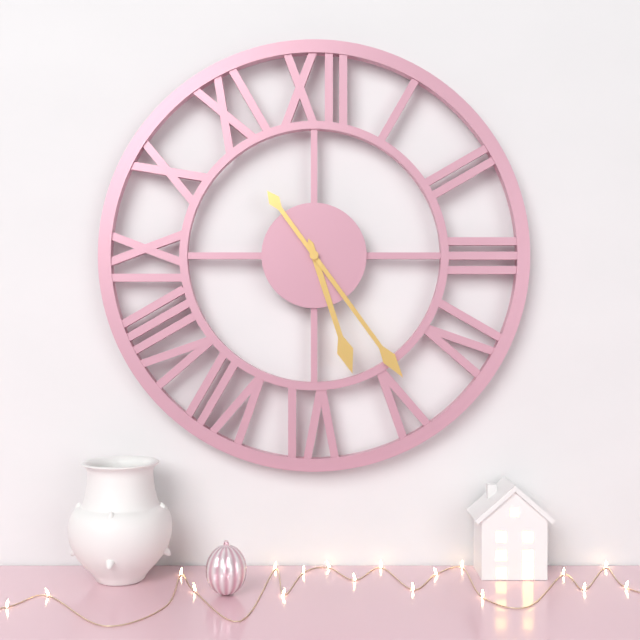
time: **5:24**
